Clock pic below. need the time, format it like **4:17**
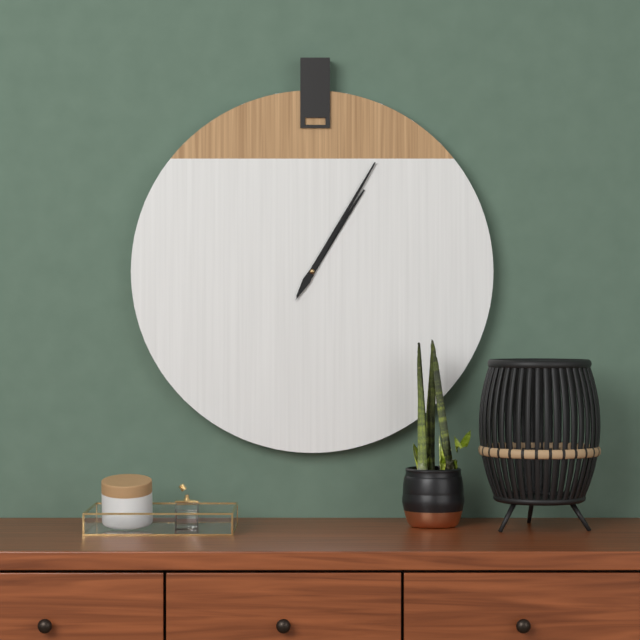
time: **1:05**
